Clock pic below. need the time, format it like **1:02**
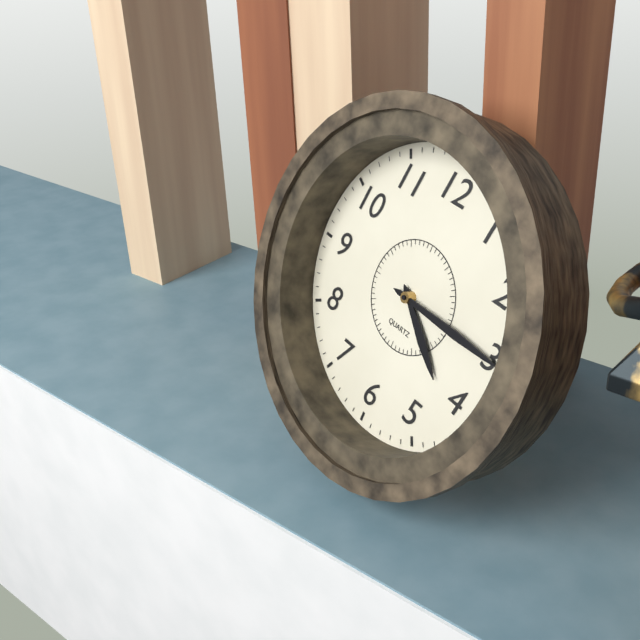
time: **4:15**
